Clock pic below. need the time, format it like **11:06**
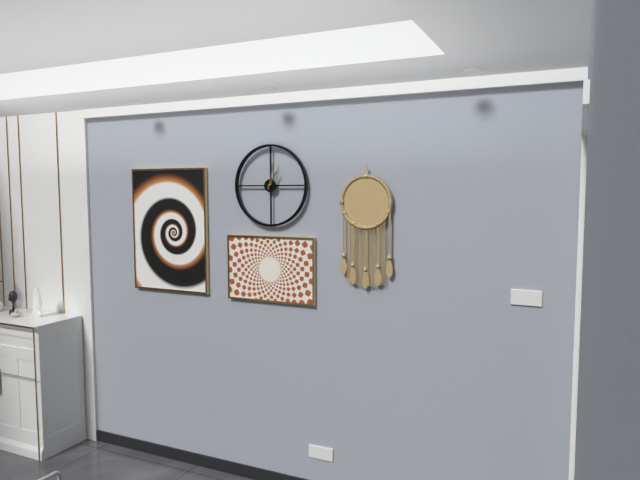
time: **1:02**
